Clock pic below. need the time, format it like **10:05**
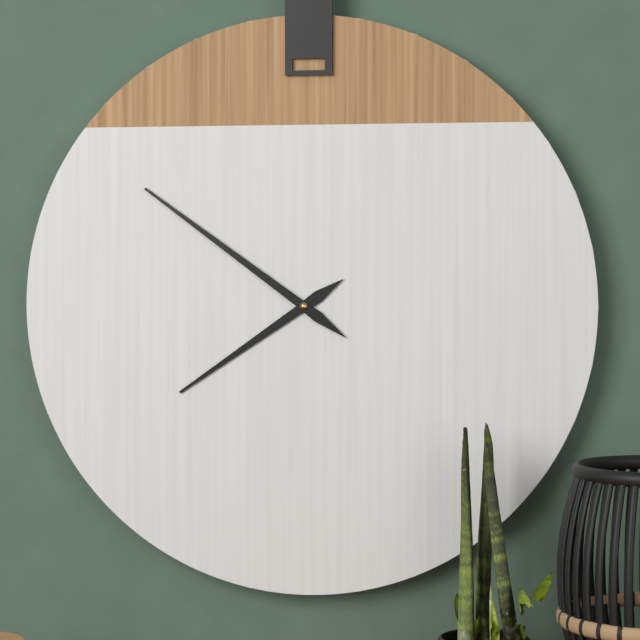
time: **7:51**
